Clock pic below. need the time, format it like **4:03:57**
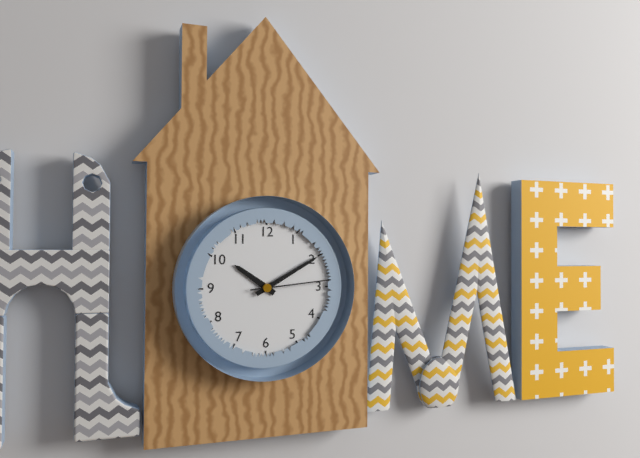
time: **10:10:14**
